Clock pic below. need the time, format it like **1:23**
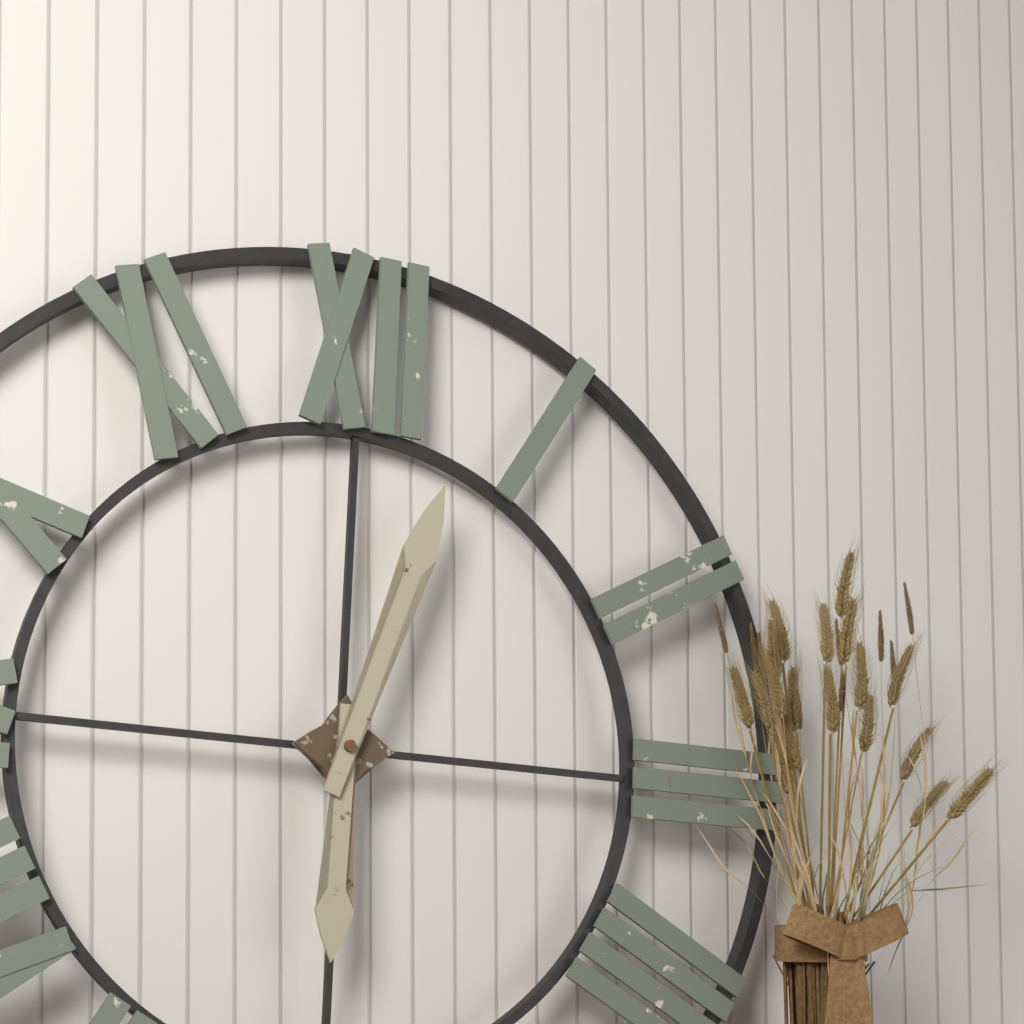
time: **6:03**
